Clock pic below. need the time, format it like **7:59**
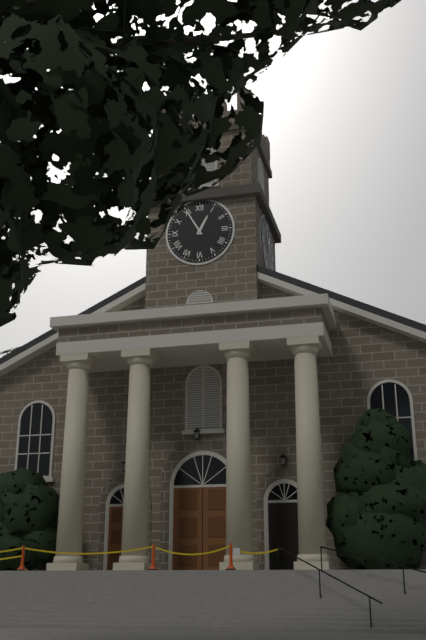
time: **12:55**
